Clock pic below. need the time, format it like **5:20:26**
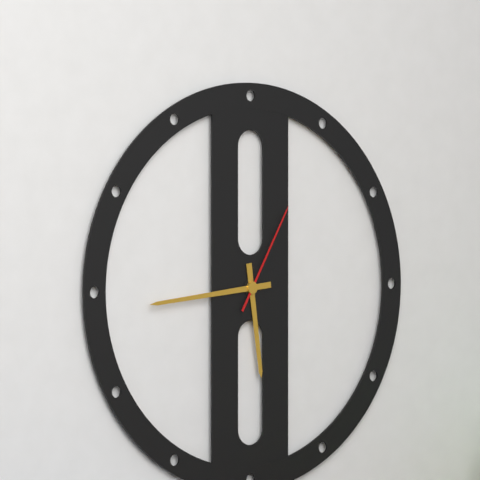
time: **5:44:05**
